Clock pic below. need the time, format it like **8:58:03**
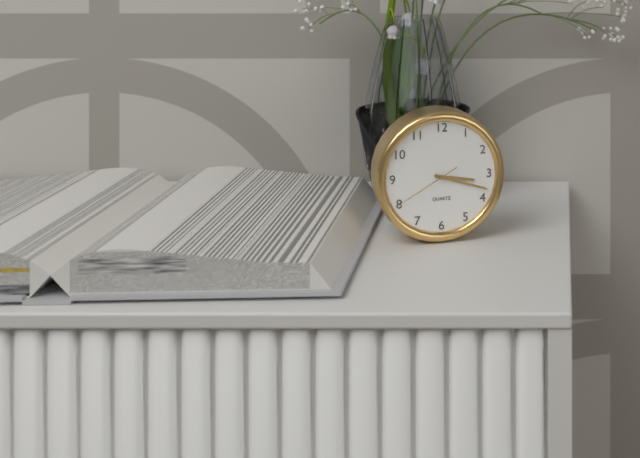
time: **3:18:40**
